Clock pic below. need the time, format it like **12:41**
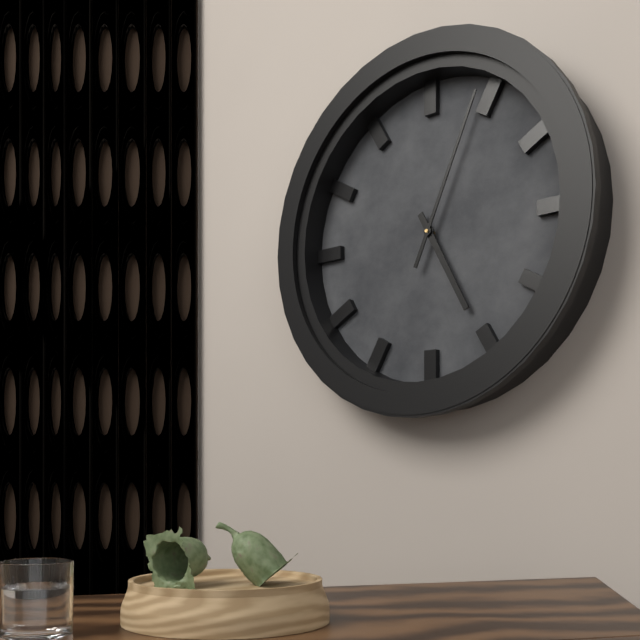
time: **5:04**
